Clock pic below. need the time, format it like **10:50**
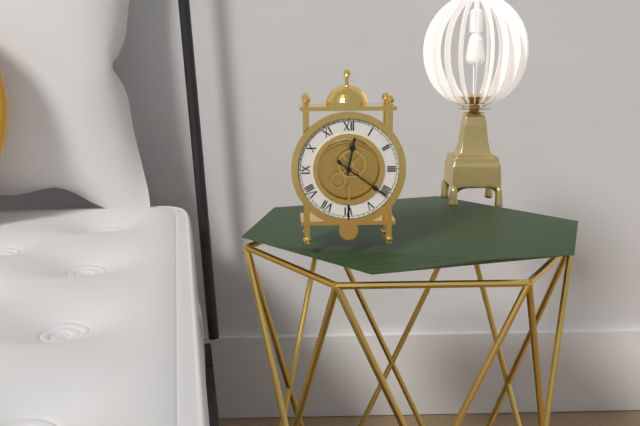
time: **12:21**
